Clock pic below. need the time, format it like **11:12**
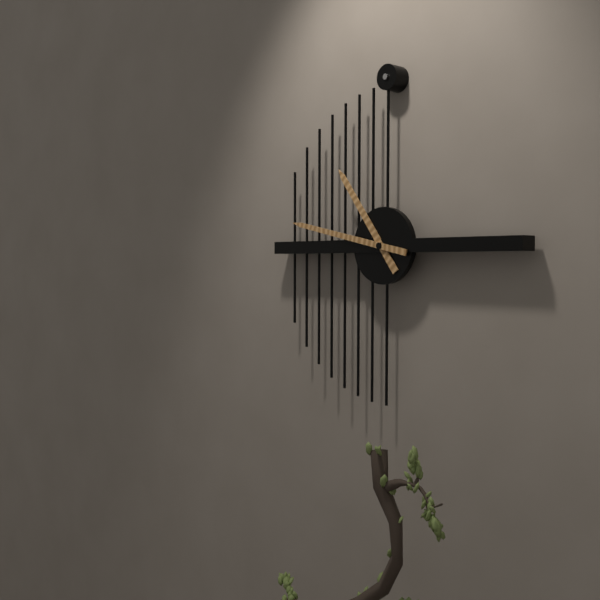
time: **10:47**
